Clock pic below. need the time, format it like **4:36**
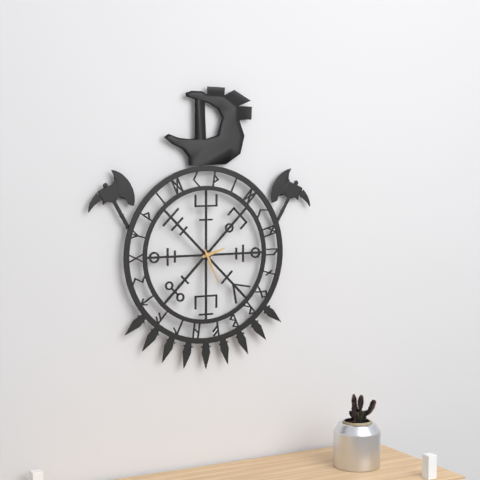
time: **2:26**
